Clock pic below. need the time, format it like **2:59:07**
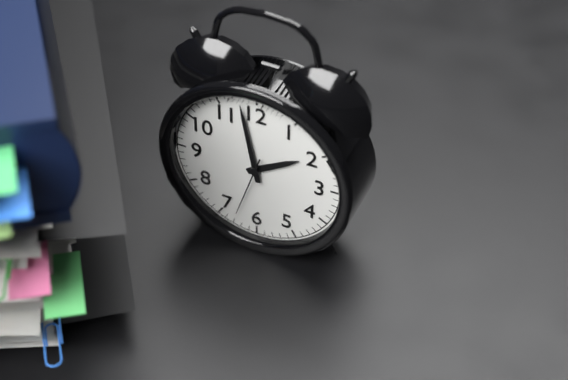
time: **1:58:33**
